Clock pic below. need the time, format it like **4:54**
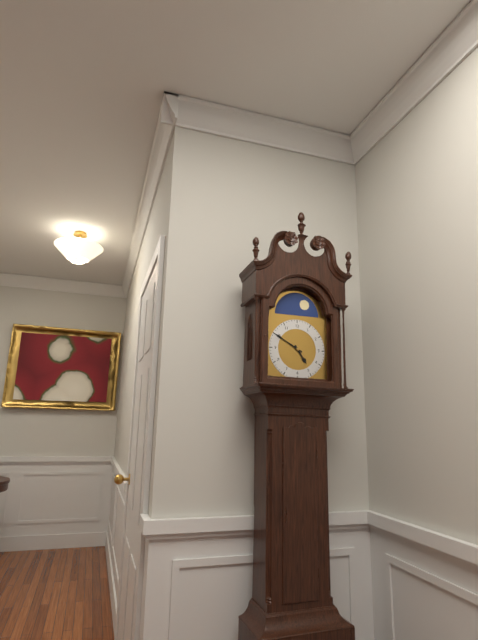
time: **4:50**
